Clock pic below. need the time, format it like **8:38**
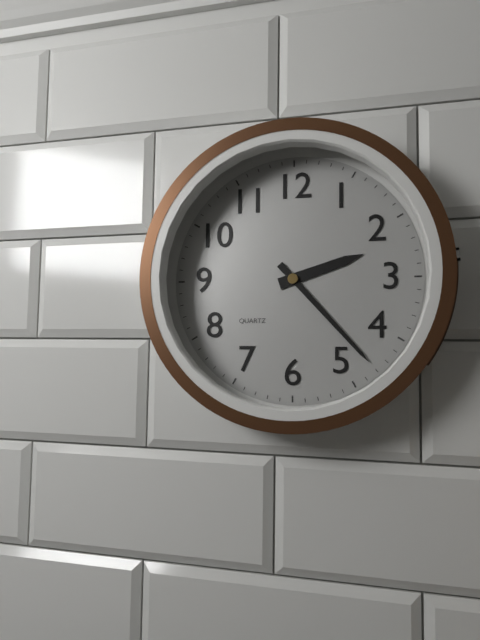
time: **2:23**
